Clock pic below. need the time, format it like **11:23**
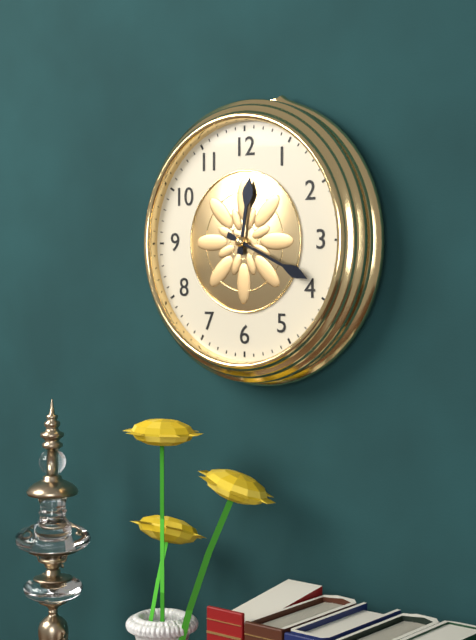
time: **12:19**
